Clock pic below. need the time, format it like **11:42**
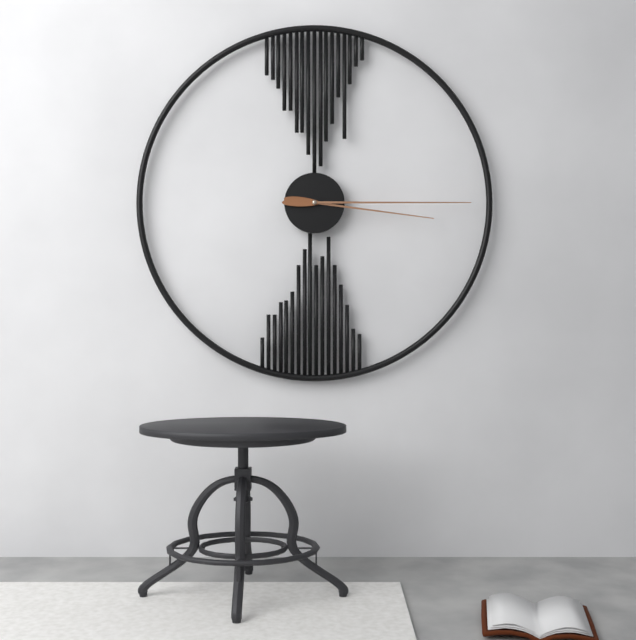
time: **3:15**
